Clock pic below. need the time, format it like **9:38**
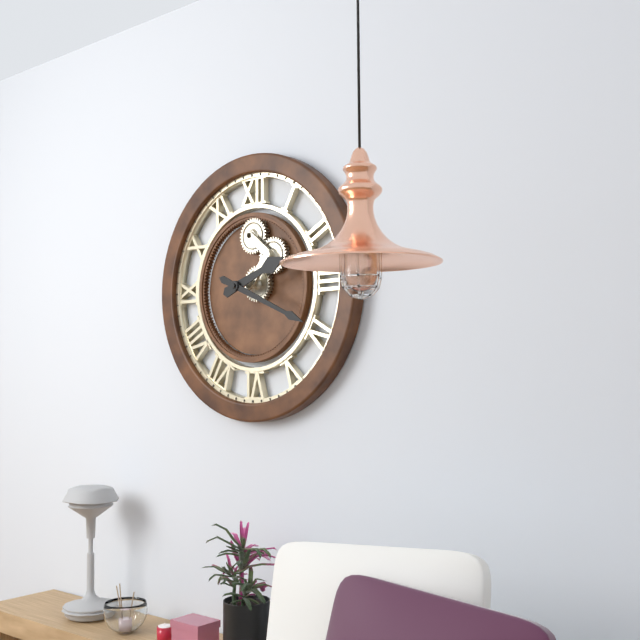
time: **2:19**
